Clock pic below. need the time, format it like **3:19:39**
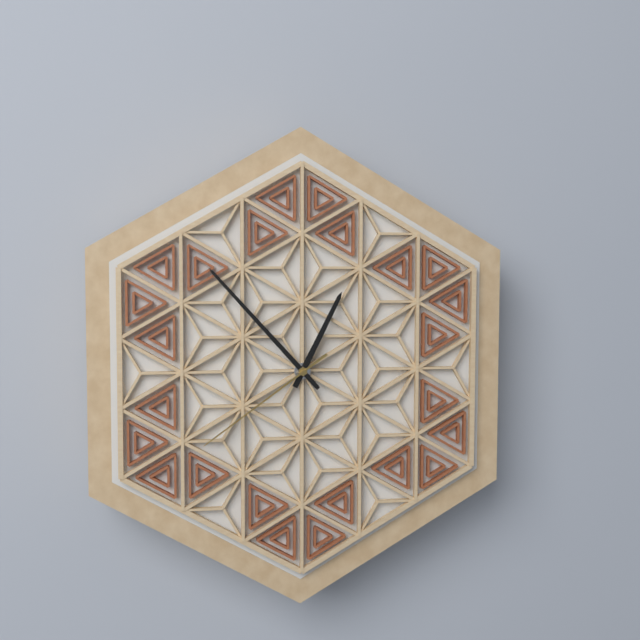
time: **12:53:39**
